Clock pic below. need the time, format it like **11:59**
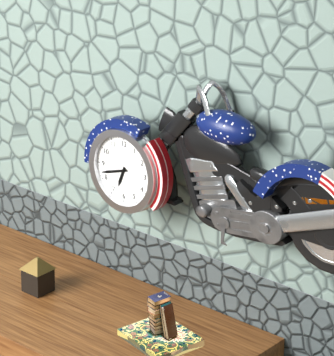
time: **6:42**
